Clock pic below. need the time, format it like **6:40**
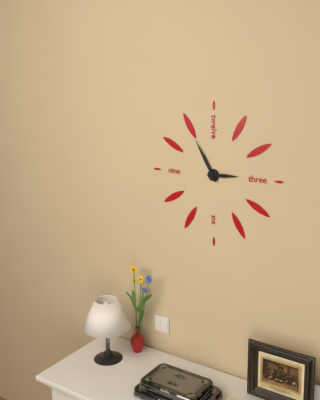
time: **2:55**
